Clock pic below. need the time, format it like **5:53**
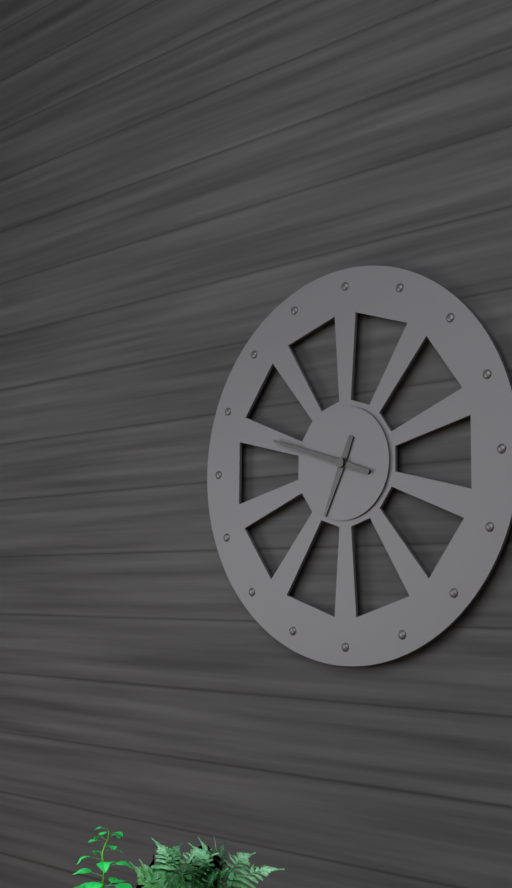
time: **6:48**
